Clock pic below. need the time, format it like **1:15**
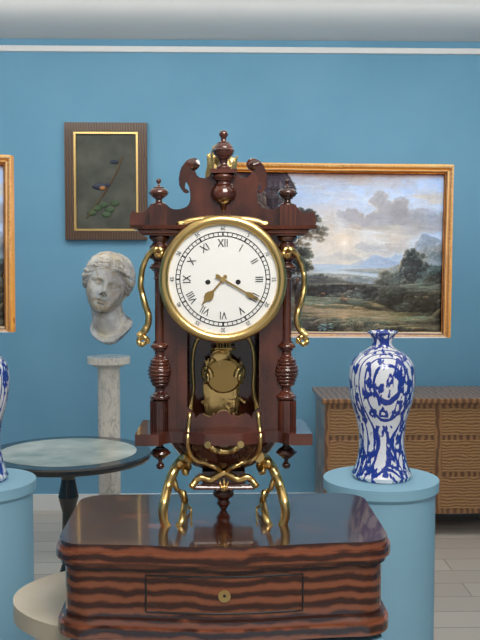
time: **7:20**
